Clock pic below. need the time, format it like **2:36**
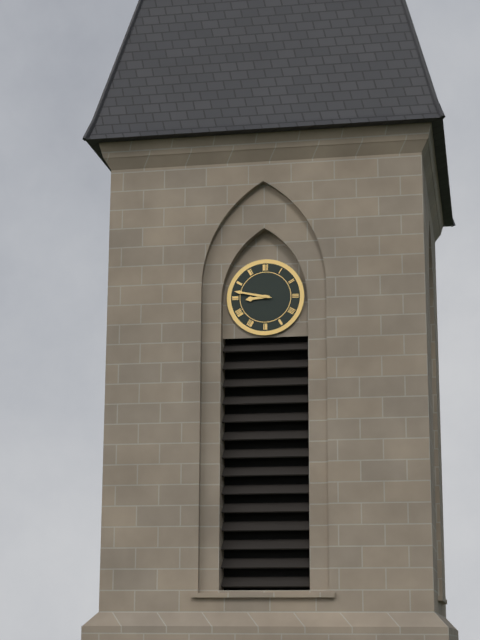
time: **8:47**
